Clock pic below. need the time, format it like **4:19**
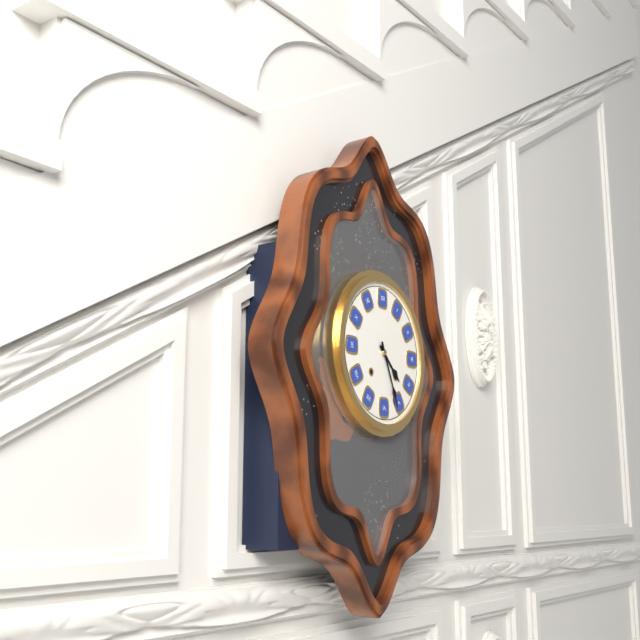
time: **4:26**
